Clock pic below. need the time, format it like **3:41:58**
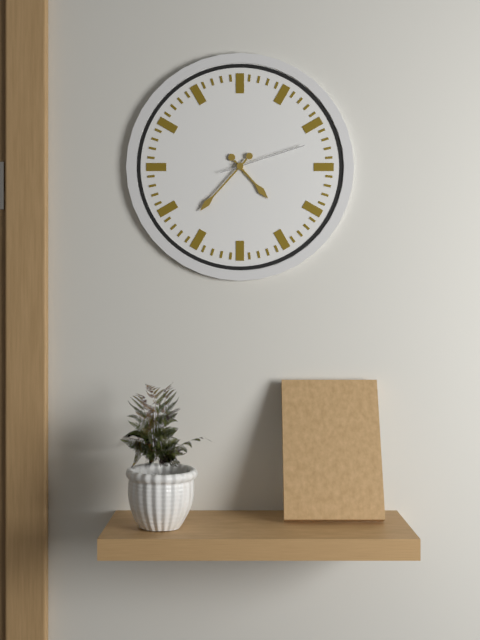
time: **4:37:12**
